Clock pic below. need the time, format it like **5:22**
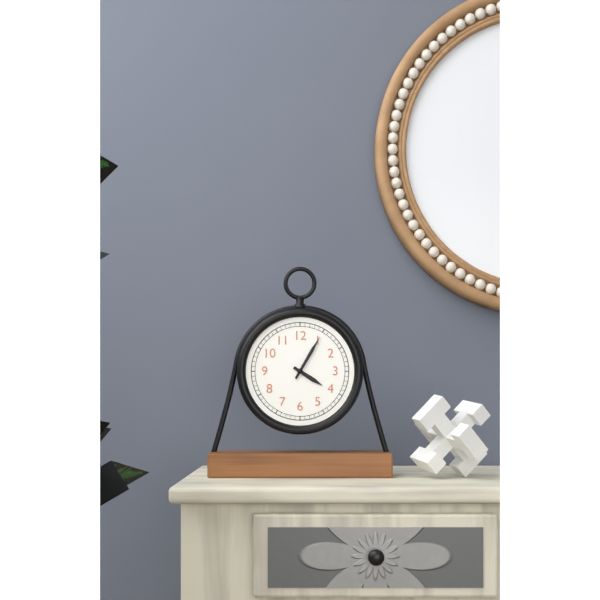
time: **4:05**
